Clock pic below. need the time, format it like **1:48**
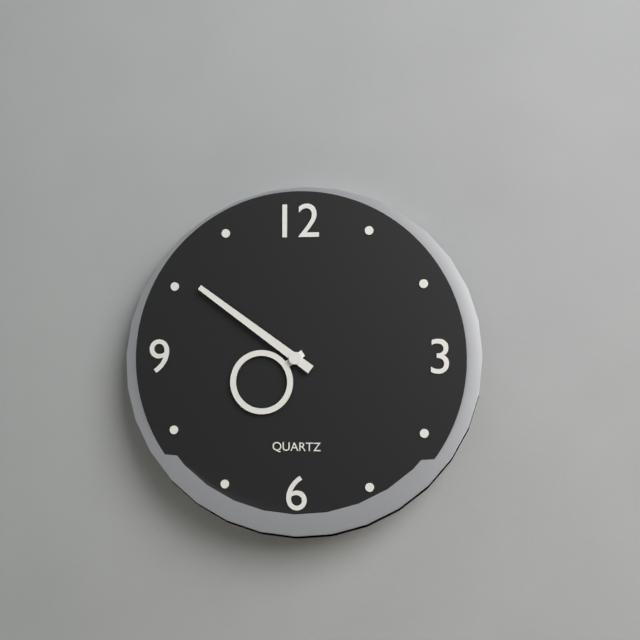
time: **7:51**
